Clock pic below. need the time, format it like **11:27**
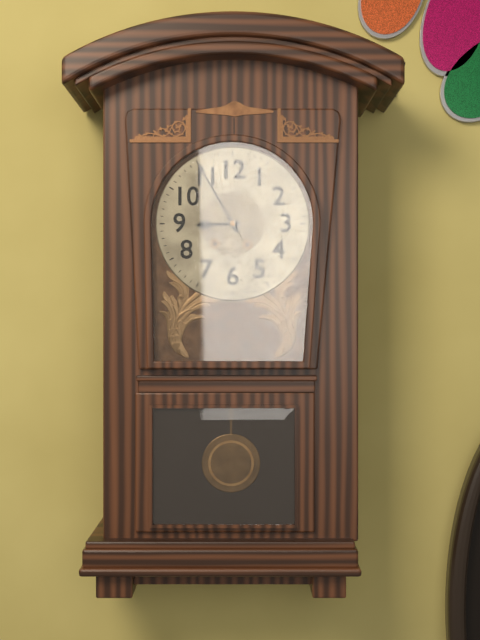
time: **8:55**
